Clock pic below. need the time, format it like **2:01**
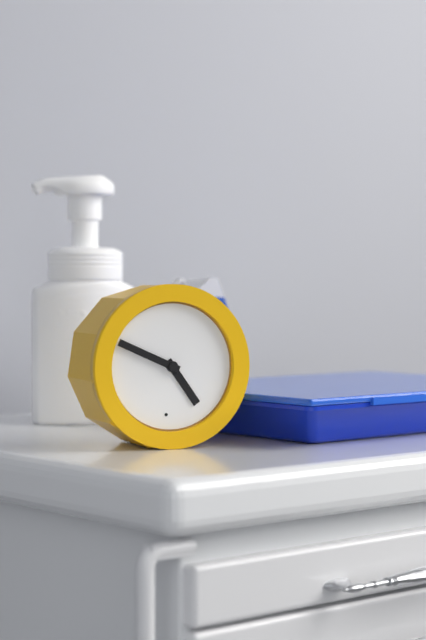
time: **4:49**
